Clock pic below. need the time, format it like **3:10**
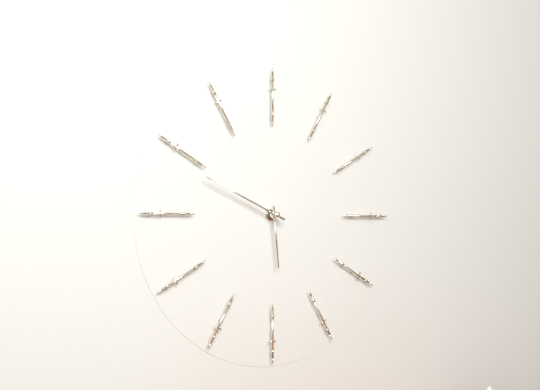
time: **5:49**
